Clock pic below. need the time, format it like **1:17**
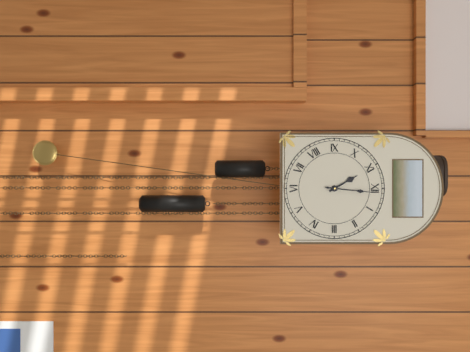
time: **11:01**
